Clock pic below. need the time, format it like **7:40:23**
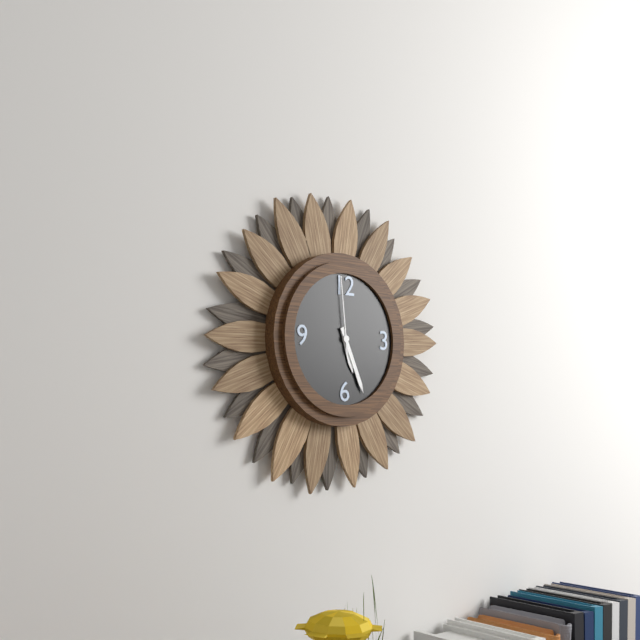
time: **5:26:59**
